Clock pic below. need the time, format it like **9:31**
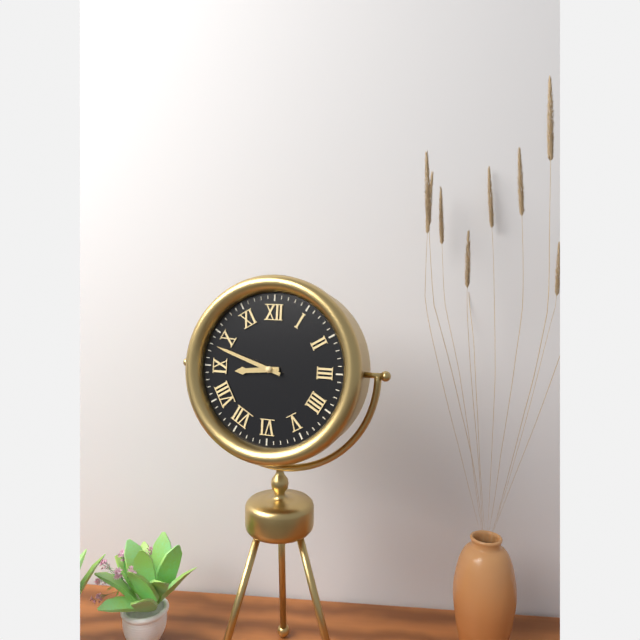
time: **8:48**
